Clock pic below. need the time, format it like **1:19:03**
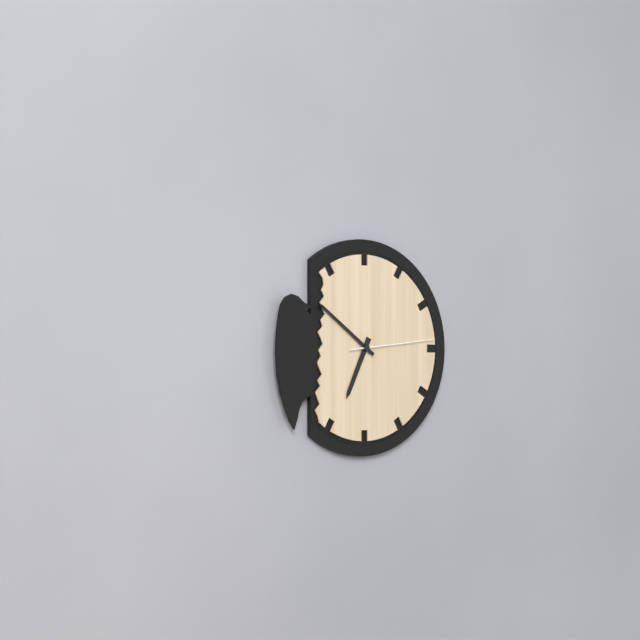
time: **6:51:14**
